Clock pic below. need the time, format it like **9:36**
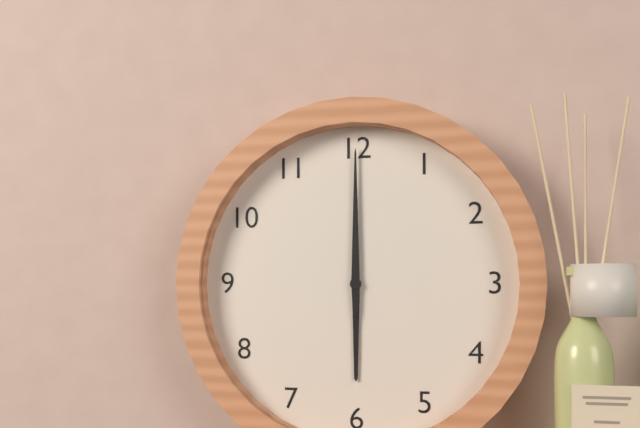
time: **6:00**
